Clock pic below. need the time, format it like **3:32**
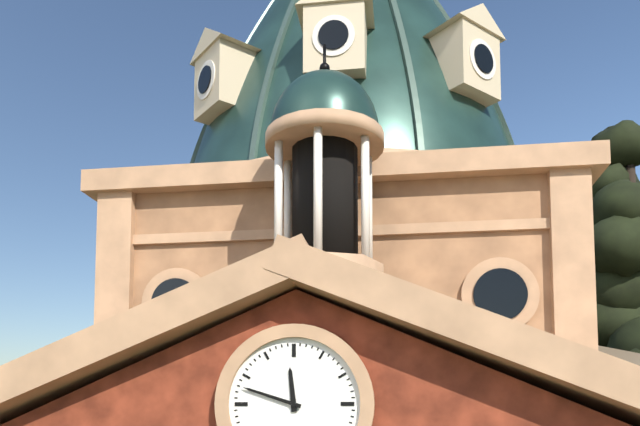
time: **11:48**
